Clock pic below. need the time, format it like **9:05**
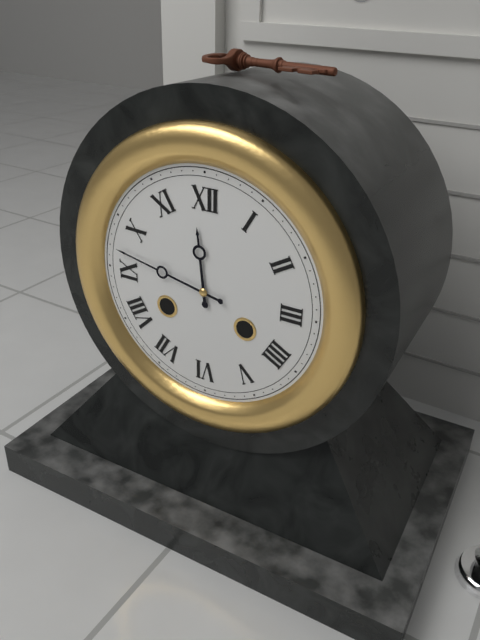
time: **11:47**
